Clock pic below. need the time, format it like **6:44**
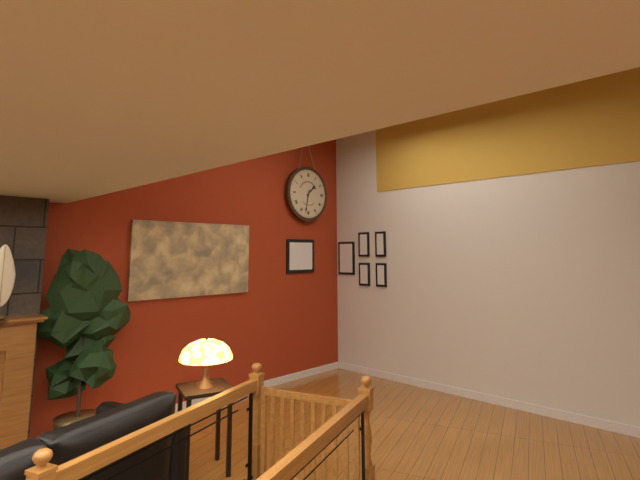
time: **1:32**
